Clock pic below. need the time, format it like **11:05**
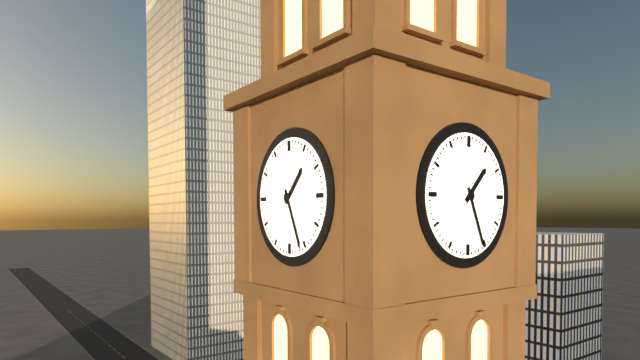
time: **1:26**
